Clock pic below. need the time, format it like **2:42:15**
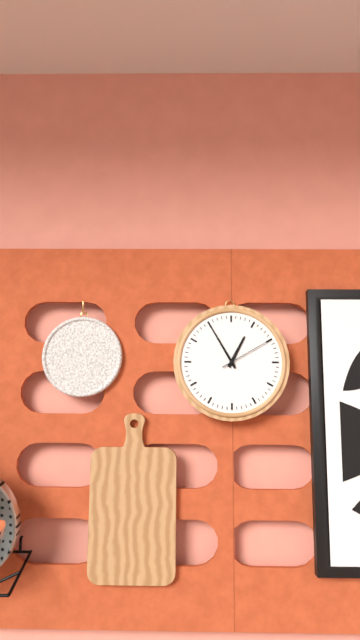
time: **12:55:10**
